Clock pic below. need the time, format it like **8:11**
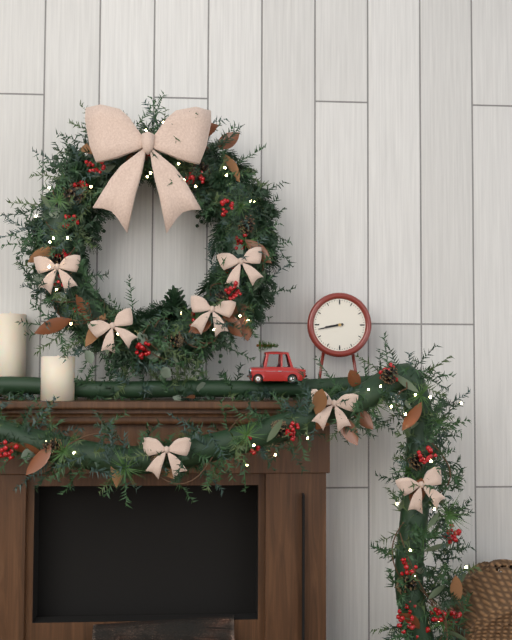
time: **8:43**
